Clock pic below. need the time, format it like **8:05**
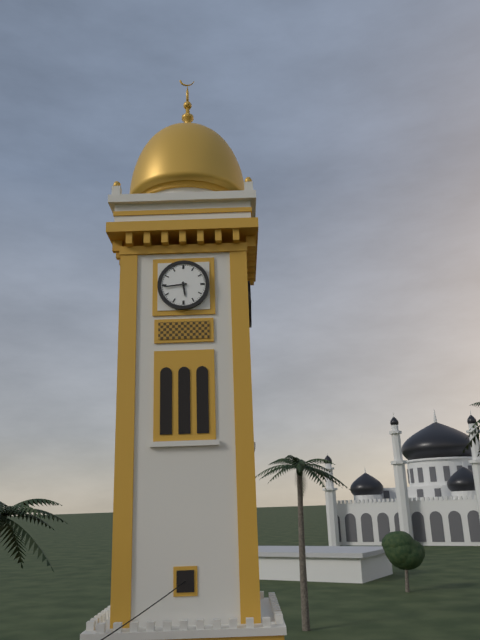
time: **5:44**
